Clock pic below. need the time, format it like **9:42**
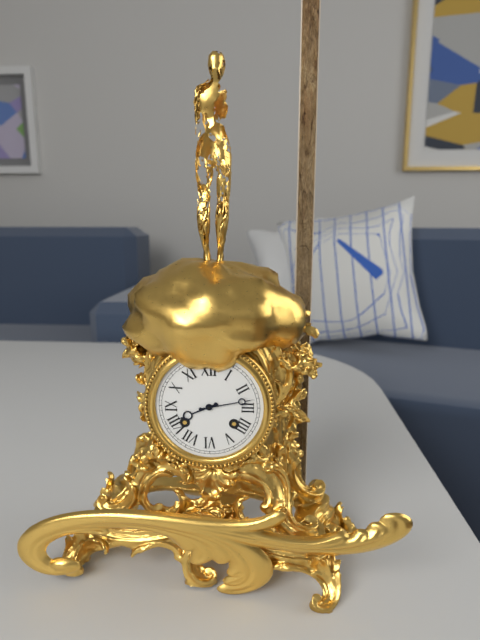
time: **8:13**
